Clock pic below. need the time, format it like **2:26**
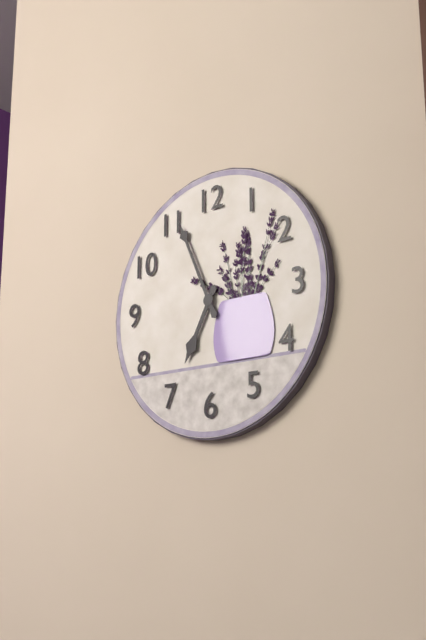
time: **6:56**
